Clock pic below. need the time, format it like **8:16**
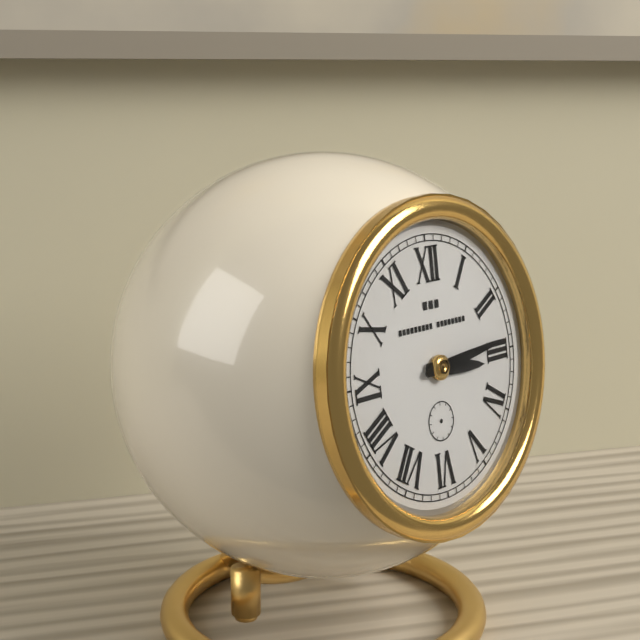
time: **3:14**
